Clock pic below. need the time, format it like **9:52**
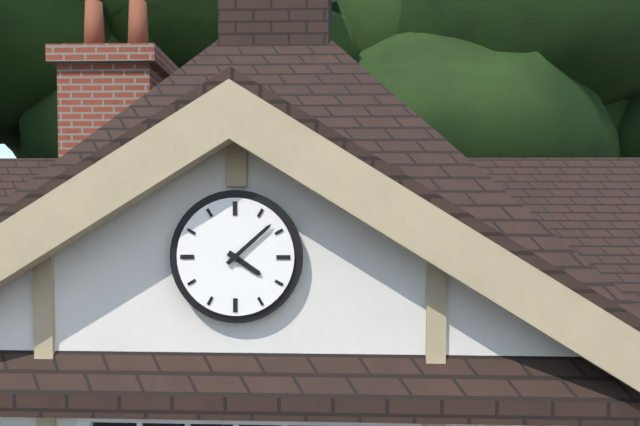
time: **4:08**
